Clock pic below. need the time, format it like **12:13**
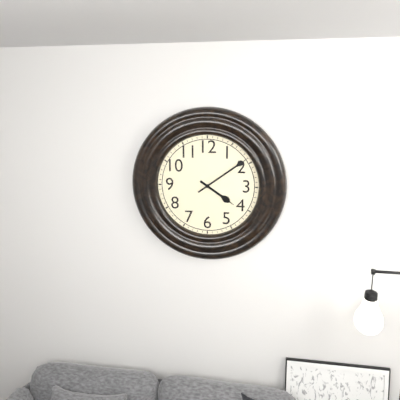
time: **4:09**
